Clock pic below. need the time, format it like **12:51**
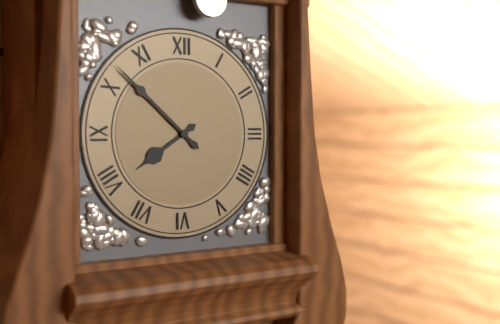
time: **7:52**
